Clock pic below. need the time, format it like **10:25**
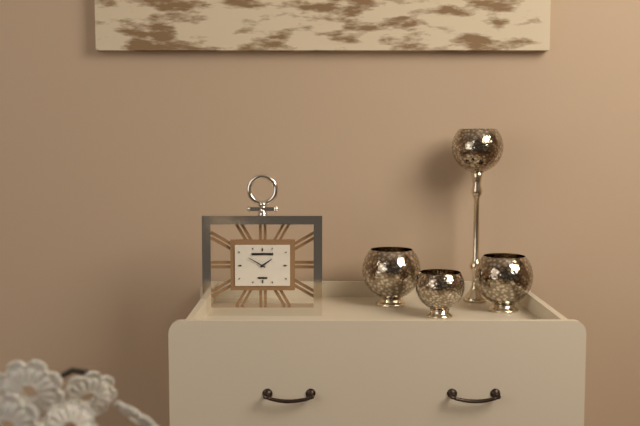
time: **1:50**
